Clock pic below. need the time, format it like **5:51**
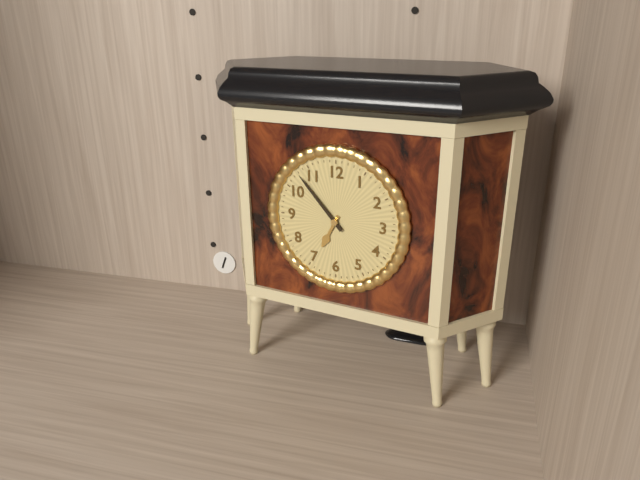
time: **6:53**
